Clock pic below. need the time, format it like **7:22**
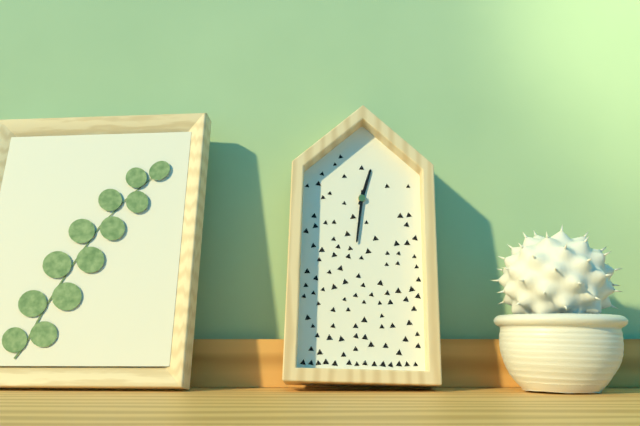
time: **12:31**
